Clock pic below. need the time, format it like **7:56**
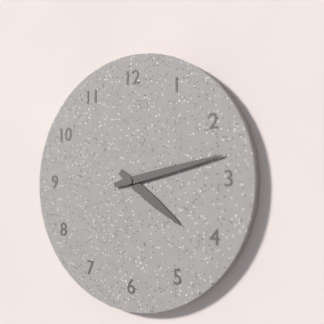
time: **4:13**
